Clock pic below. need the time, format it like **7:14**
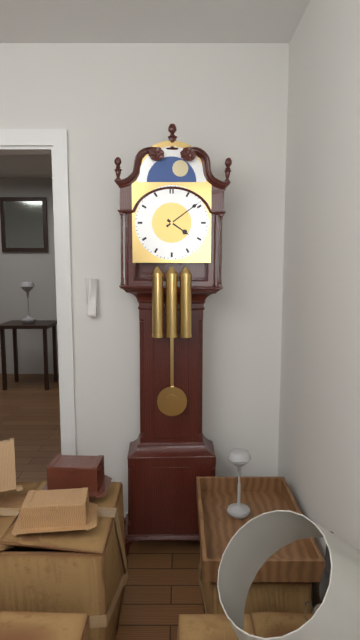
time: **4:09**
